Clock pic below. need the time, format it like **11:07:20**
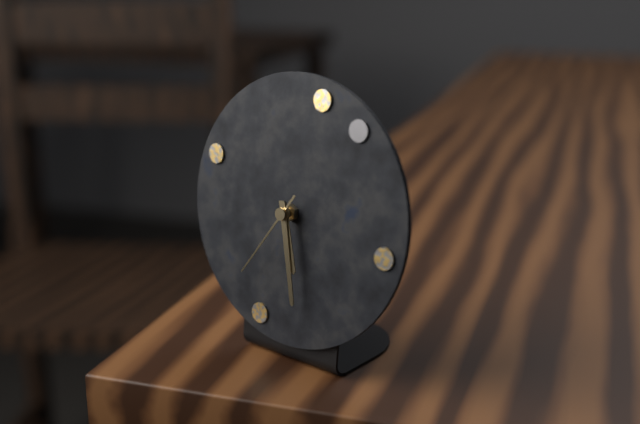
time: **5:28:36**
